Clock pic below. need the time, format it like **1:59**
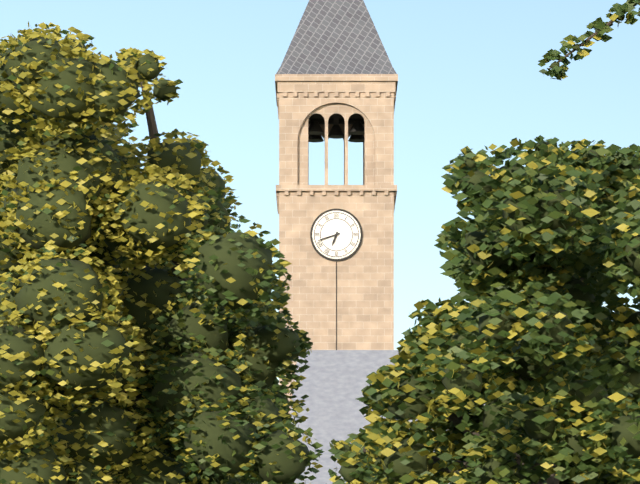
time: **6:42**
